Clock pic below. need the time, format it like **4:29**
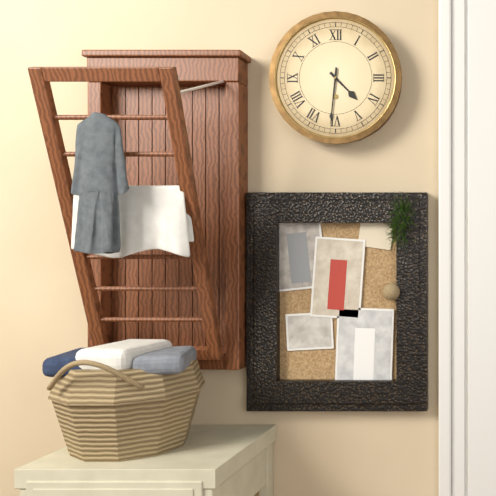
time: **4:31**
